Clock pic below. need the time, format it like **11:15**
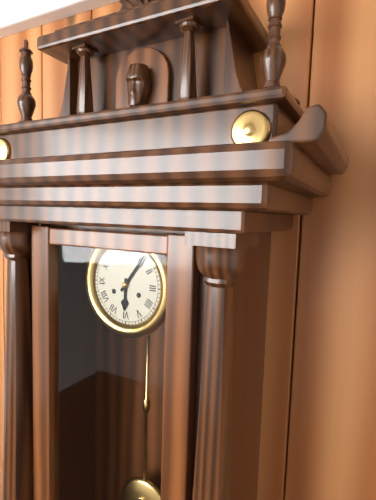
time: **6:06**
